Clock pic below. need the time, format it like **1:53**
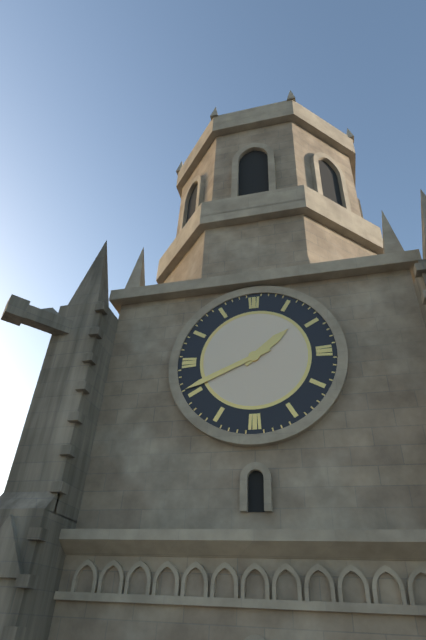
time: **1:41**
